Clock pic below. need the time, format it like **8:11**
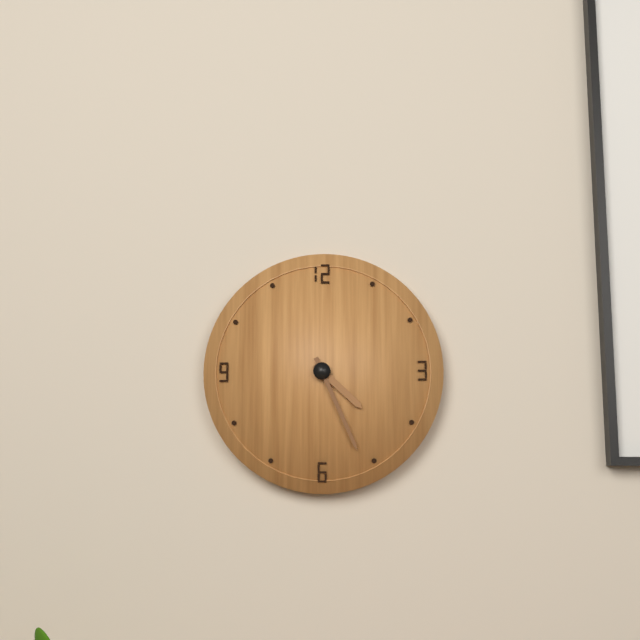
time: **4:26**
